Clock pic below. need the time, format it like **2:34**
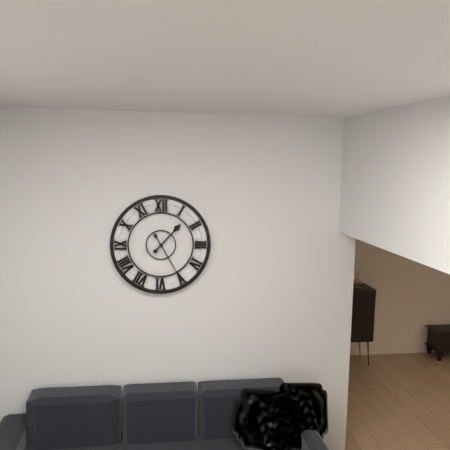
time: **1:25**
